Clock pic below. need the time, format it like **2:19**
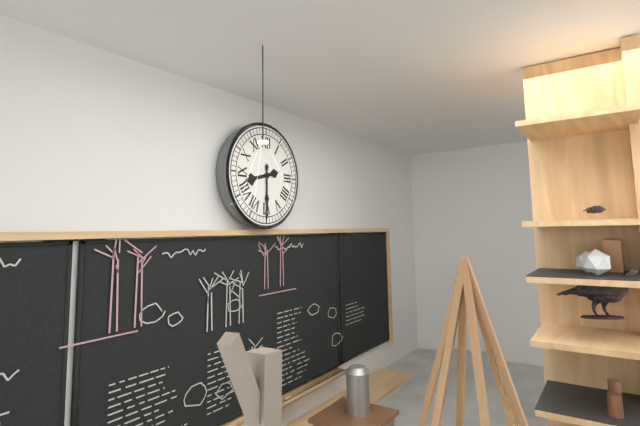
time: **8:30**
